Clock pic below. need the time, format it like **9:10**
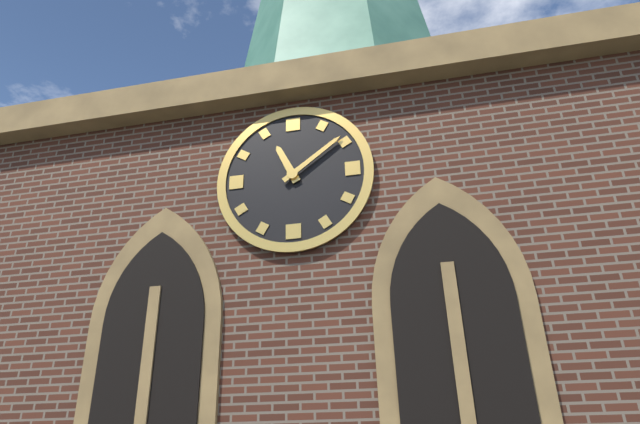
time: **11:09**
